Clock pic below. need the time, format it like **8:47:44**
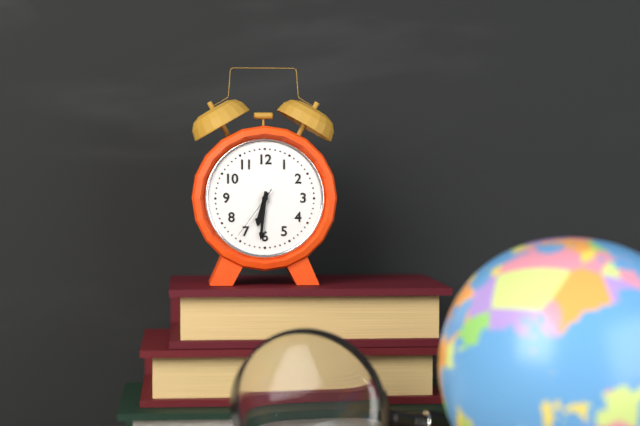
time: **6:31:36**
